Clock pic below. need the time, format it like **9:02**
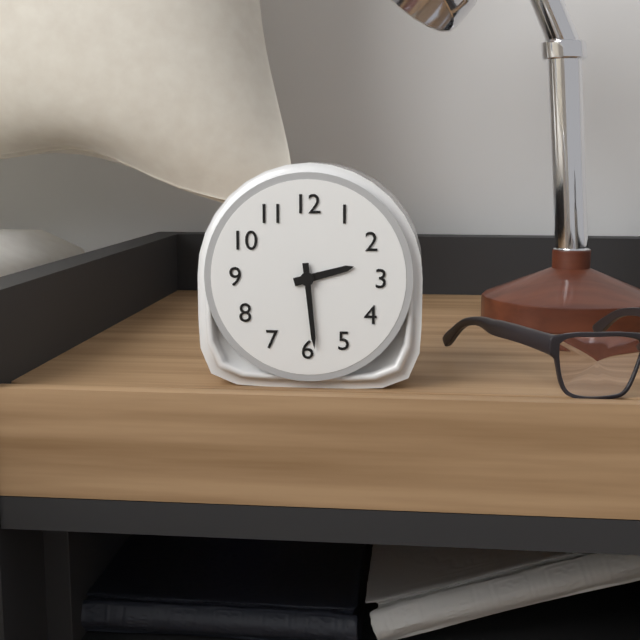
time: **2:29**
